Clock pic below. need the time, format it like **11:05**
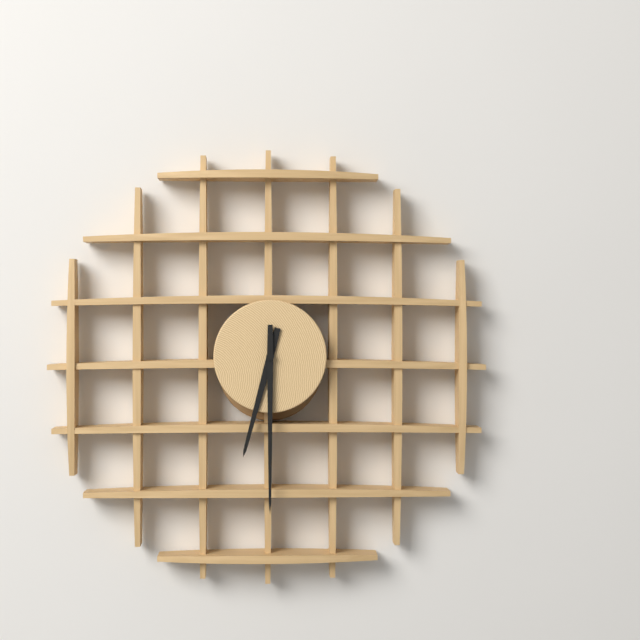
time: **6:30**
